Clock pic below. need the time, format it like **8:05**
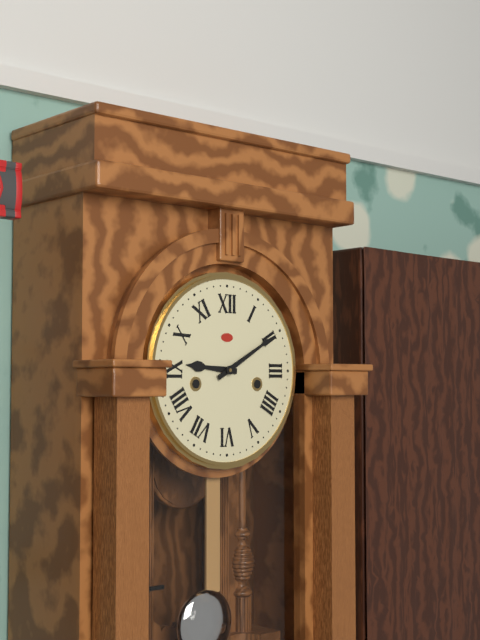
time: **9:10**
